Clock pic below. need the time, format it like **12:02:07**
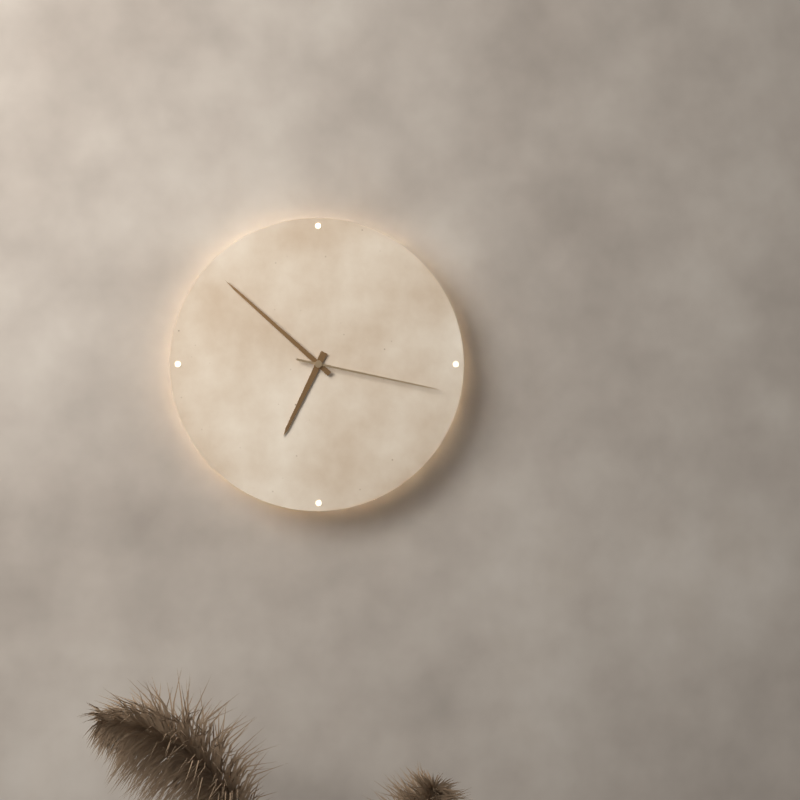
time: **6:52:17**
